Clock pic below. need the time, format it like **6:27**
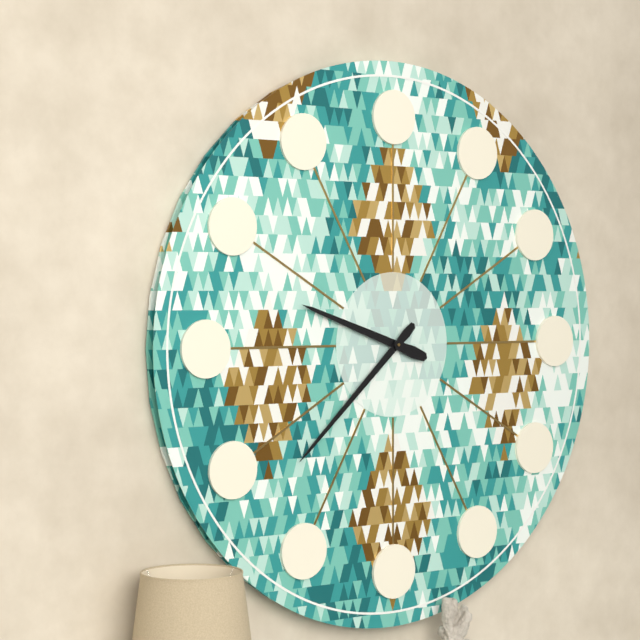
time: **9:38**
